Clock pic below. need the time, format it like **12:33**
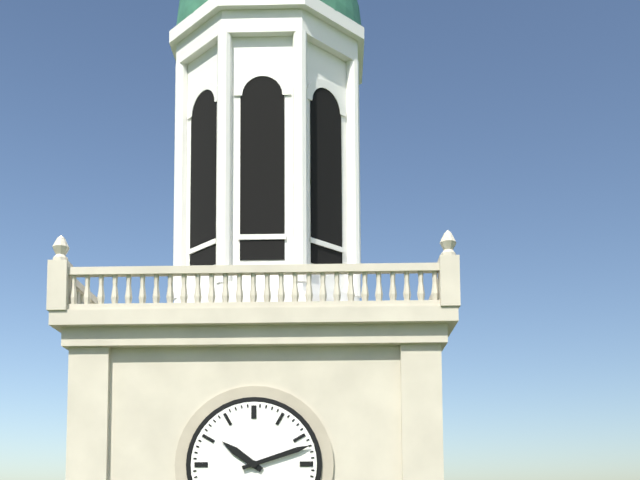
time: **10:12**
